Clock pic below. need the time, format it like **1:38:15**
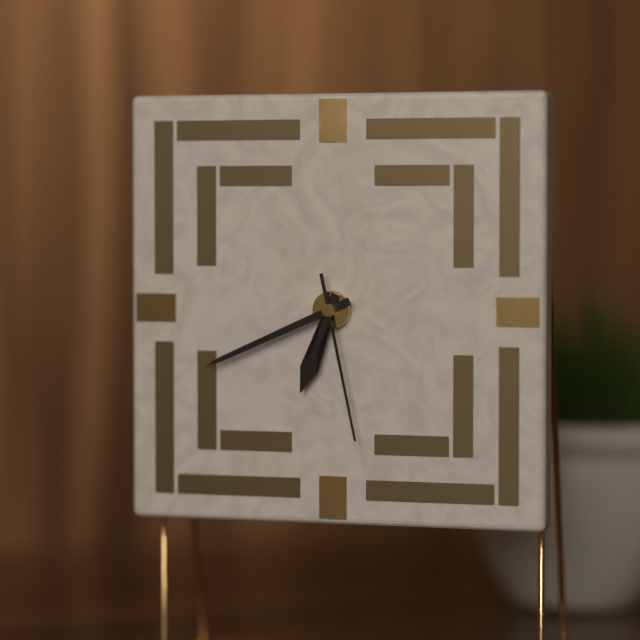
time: **6:41:28**
